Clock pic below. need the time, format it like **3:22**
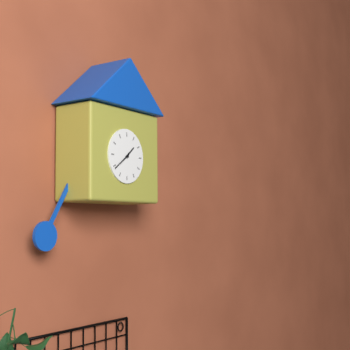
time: **1:39**
